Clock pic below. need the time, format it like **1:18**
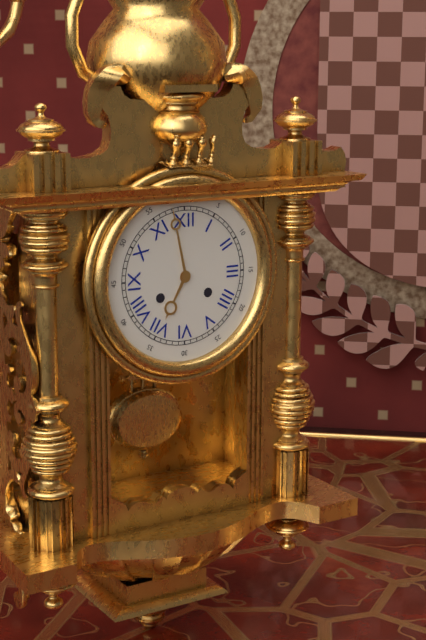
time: **6:58**
